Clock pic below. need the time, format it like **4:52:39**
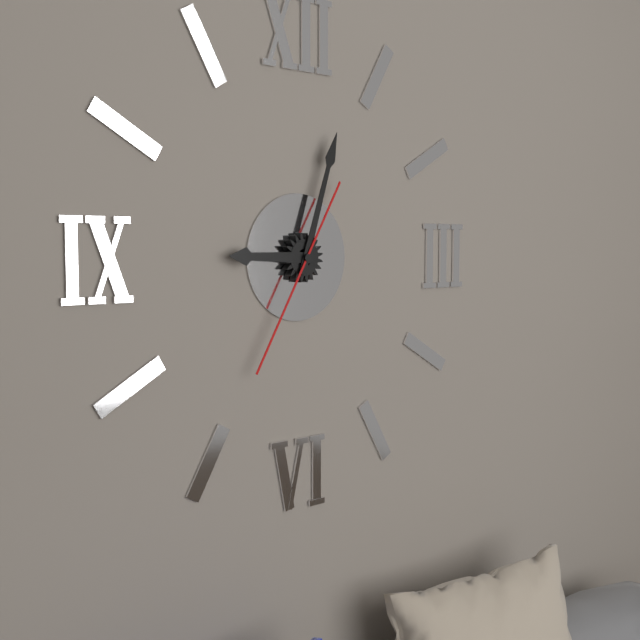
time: **9:03:35**
